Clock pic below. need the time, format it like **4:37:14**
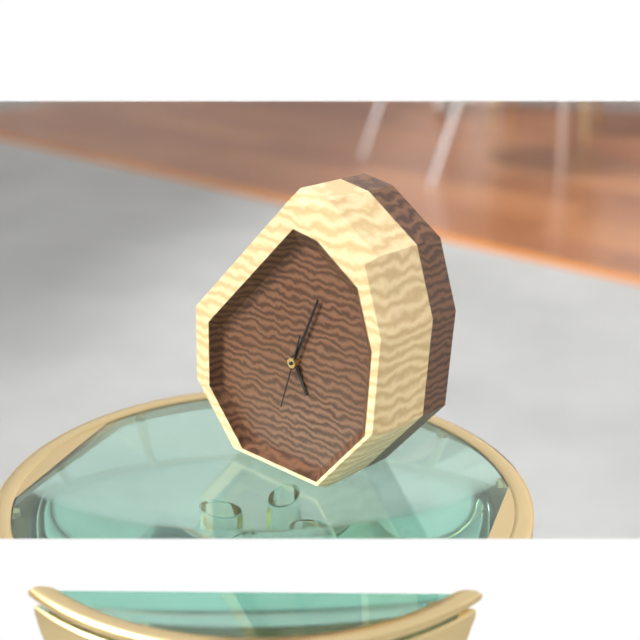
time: **5:04:33**
